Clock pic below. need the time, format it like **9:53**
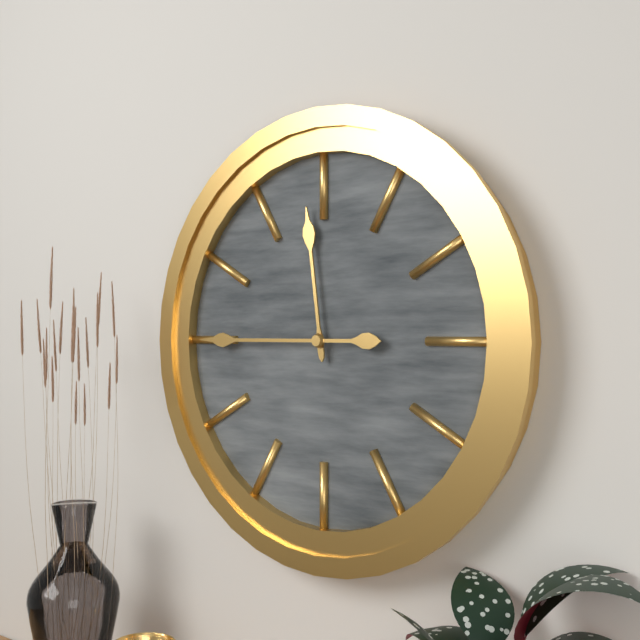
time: **11:45**
